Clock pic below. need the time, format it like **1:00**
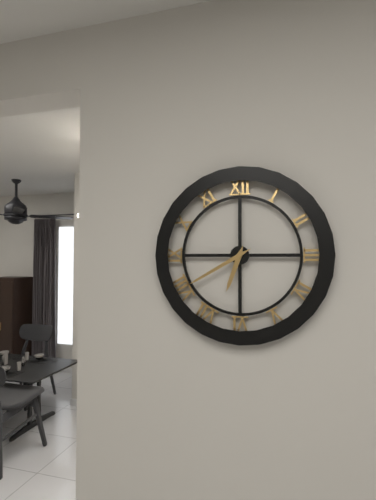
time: **6:40**
